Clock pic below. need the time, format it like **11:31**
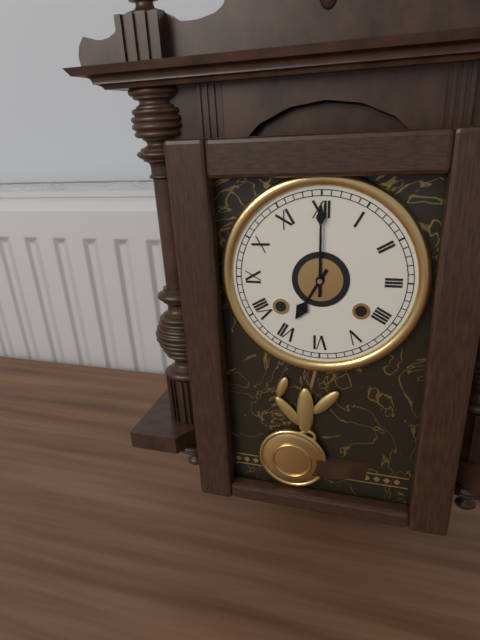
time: **7:00**
